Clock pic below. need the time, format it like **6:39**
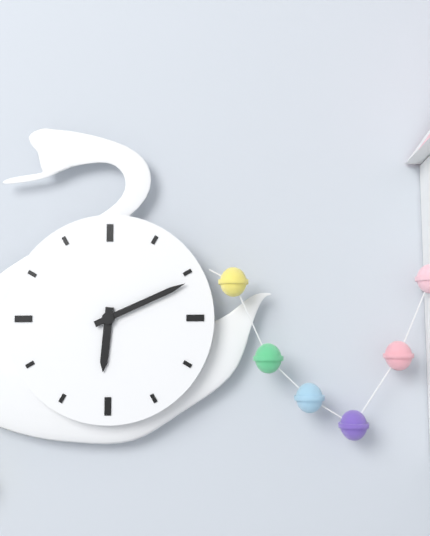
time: **6:11**
